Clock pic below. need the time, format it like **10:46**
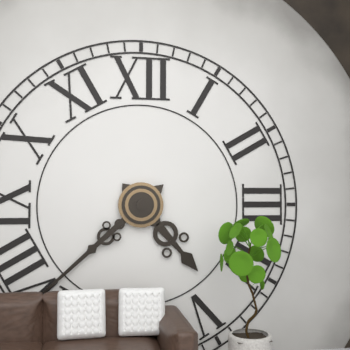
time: **4:38**
